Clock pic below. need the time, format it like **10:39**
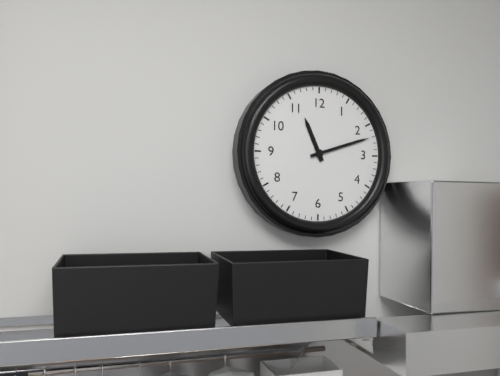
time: **11:12**
